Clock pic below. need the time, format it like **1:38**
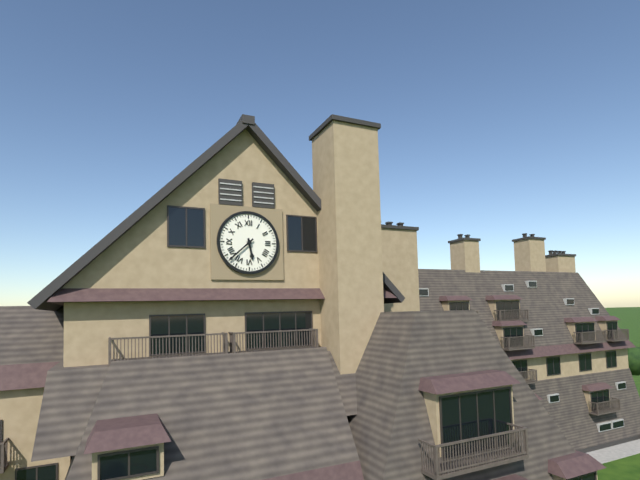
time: **5:38**
